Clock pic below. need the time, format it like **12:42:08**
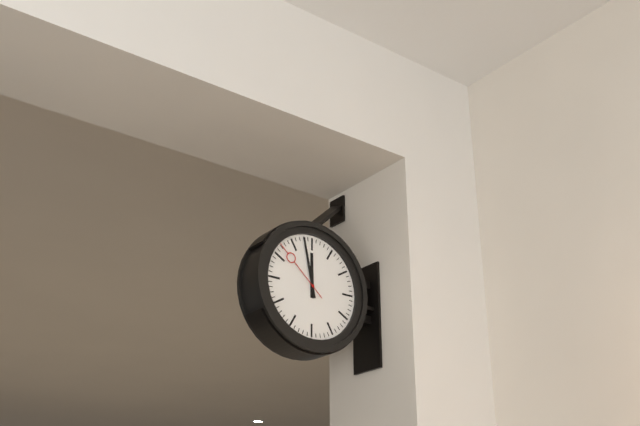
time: **11:58:52**
